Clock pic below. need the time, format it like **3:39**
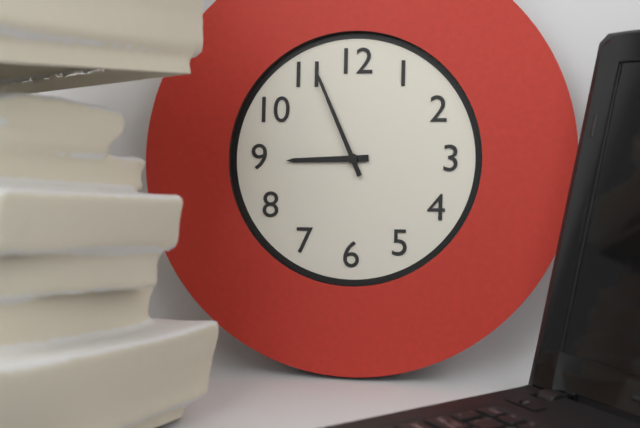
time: **8:56**
